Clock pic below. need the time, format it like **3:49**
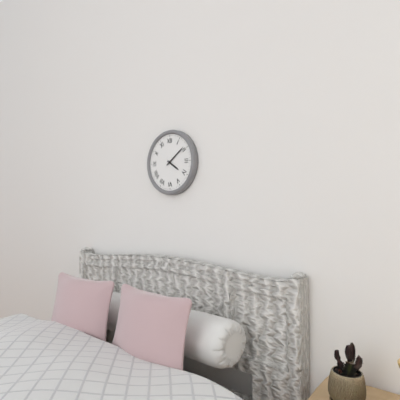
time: **4:09**
